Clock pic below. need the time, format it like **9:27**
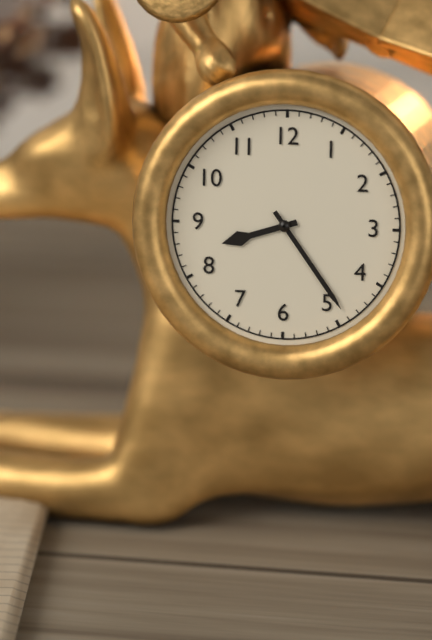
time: **8:24**
